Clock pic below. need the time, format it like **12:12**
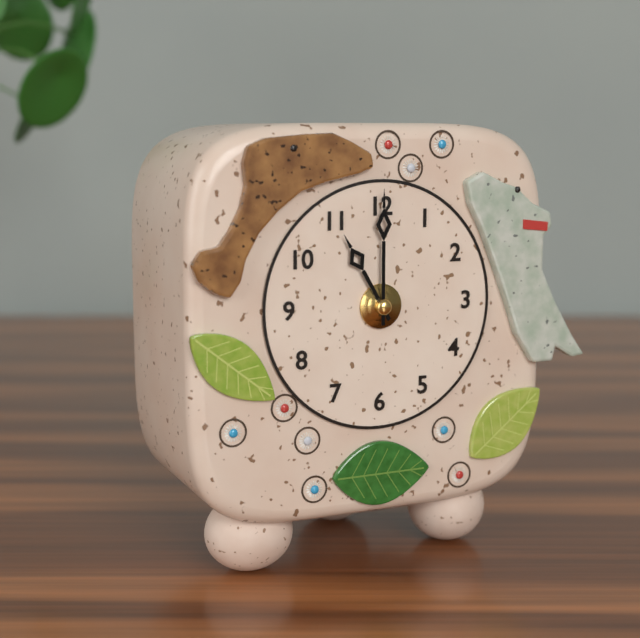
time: **11:00**
